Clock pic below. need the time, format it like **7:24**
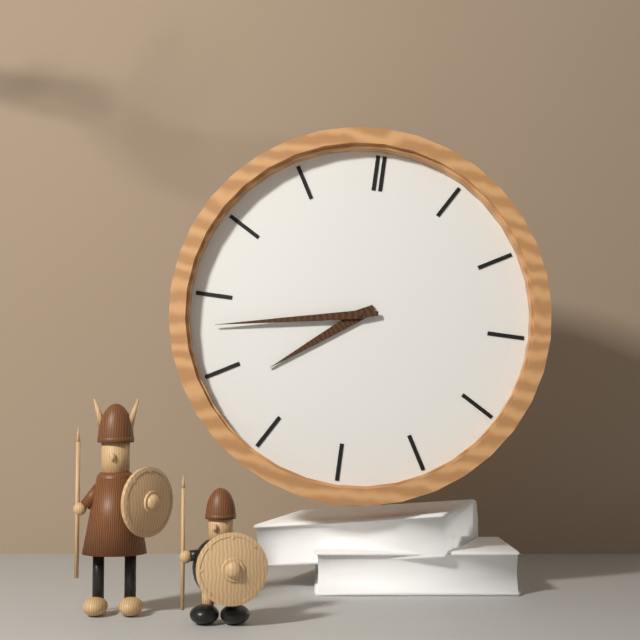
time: **7:43**
